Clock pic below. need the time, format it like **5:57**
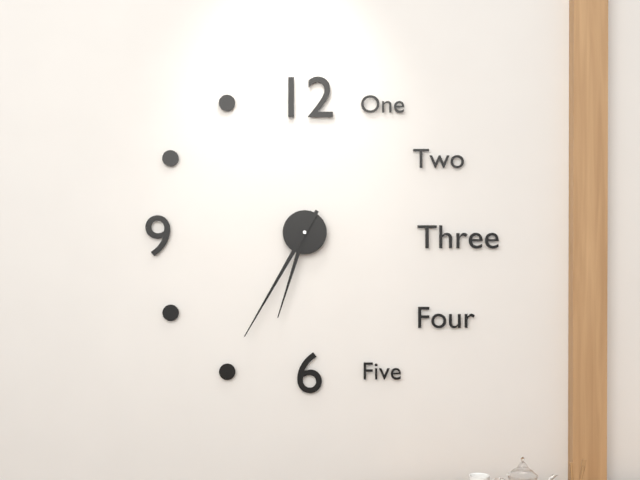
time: **6:35**
